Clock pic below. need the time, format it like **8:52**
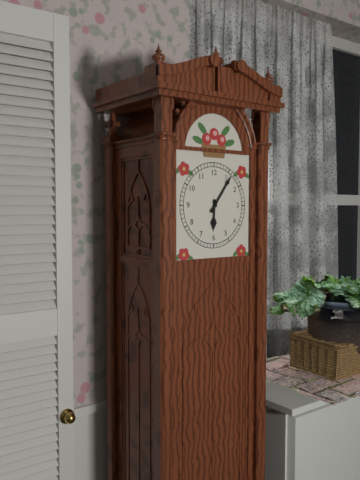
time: **6:06**
